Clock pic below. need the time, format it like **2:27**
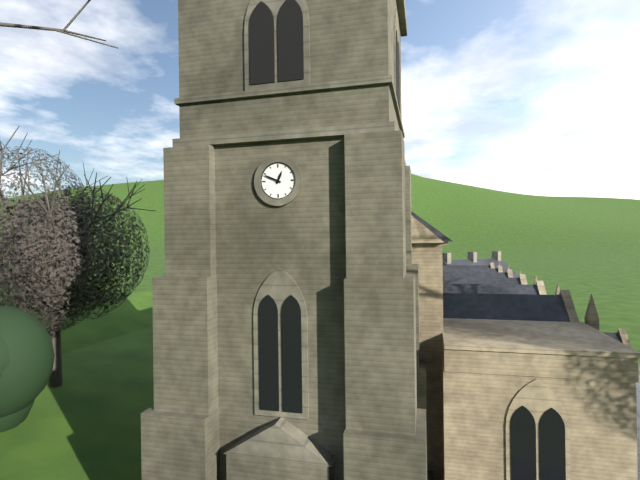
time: **12:49**
